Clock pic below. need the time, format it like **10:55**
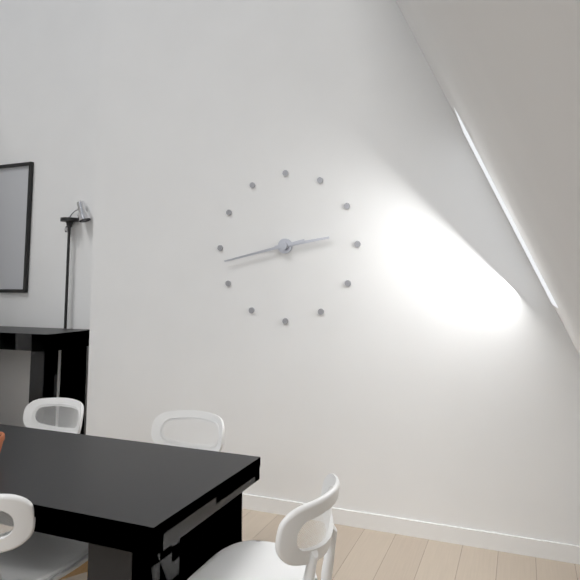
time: **2:43**
